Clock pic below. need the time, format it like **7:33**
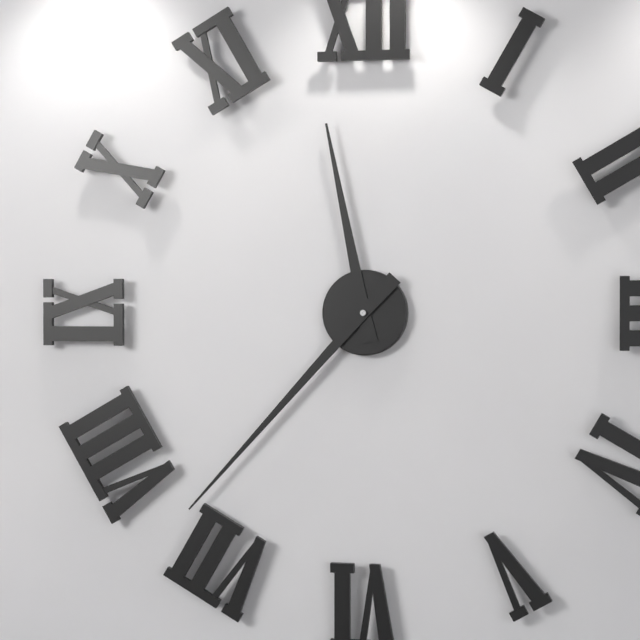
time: **11:37**
